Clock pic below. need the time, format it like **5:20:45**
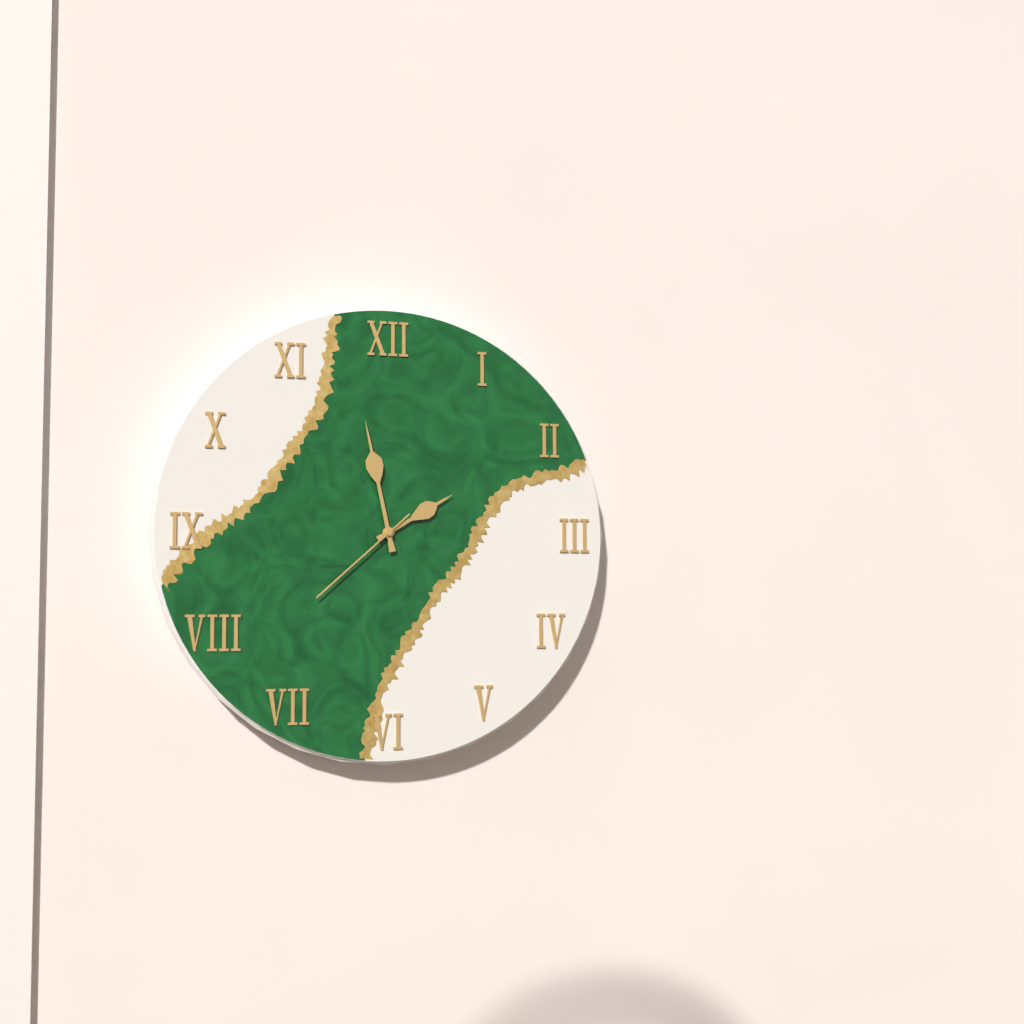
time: **1:58:38**
